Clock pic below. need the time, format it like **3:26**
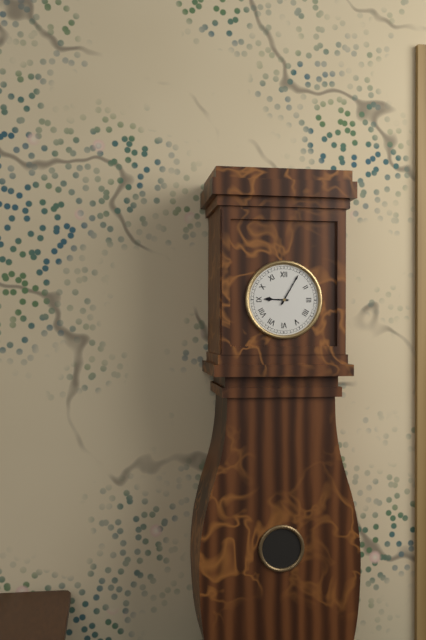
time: **9:05**
